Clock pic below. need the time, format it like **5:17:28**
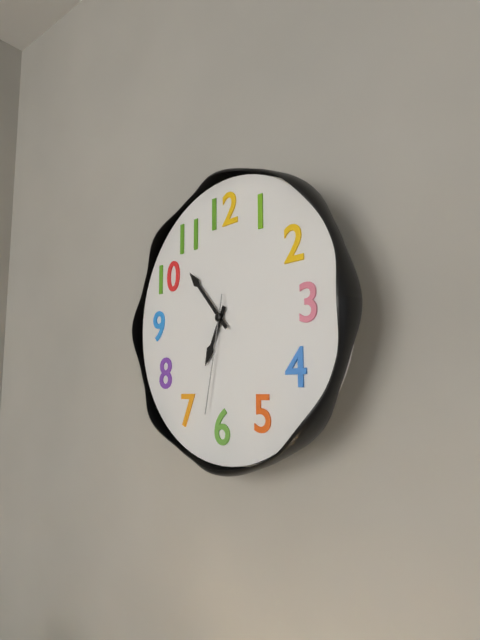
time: **6:53:32**
